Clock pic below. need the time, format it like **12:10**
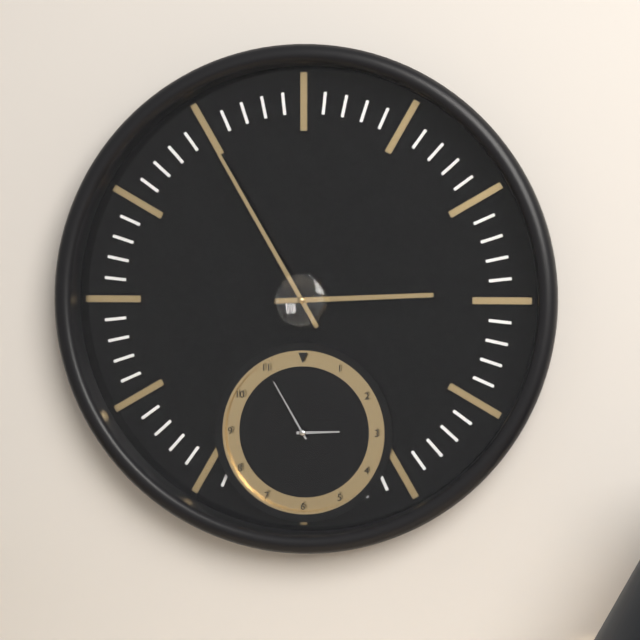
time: **2:55**
